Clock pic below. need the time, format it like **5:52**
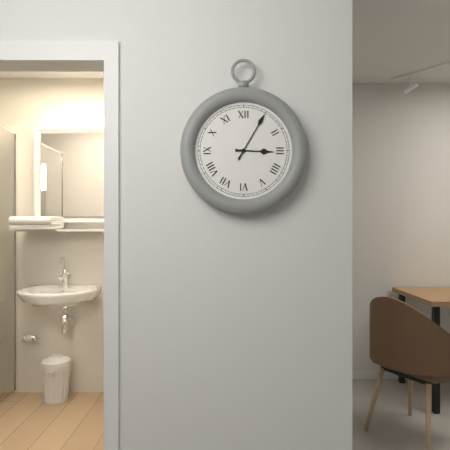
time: **3:05**
